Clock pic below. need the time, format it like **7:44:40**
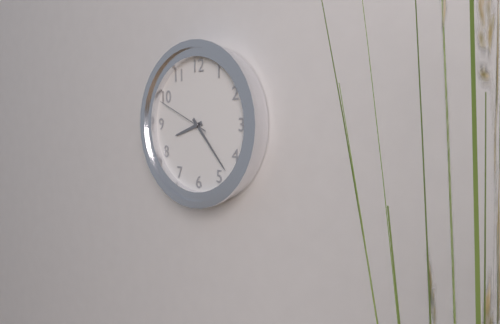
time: **8:23:49**
